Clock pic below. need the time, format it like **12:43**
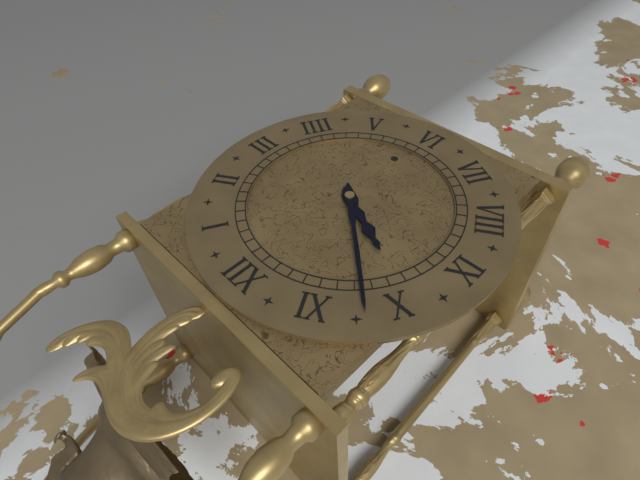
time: **9:52**
